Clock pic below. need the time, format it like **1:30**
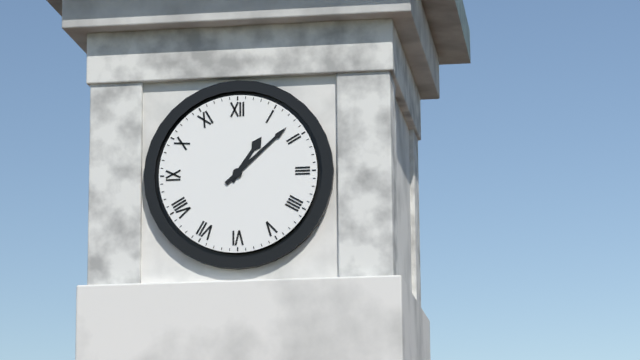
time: **1:08**
